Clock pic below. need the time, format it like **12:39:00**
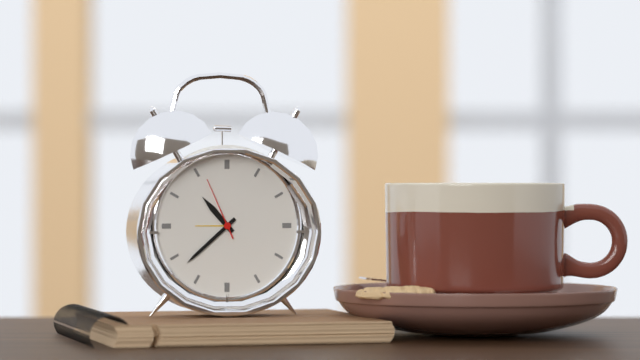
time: **10:38:56**
